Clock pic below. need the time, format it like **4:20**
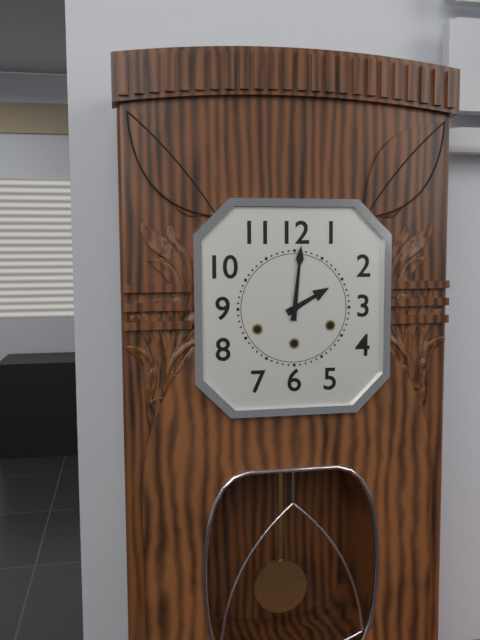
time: **2:01**
